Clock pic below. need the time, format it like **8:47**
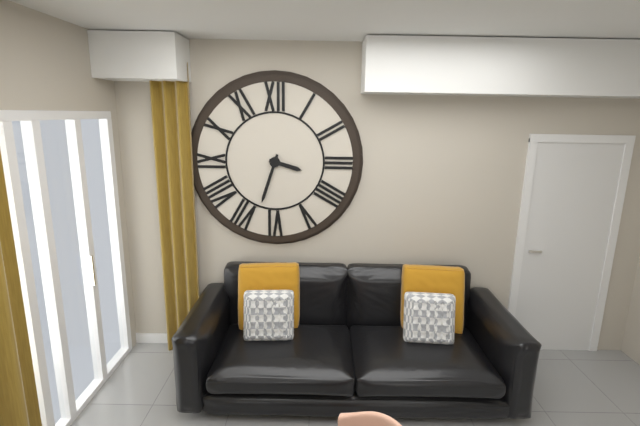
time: **3:33**
